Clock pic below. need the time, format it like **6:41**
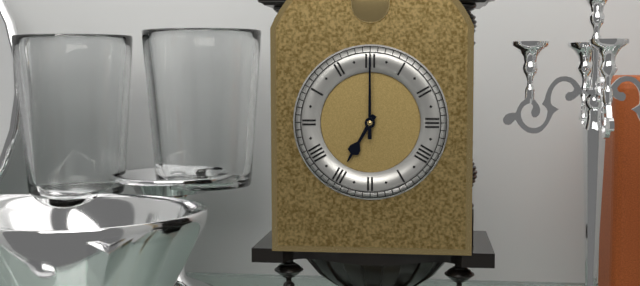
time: **7:00**
